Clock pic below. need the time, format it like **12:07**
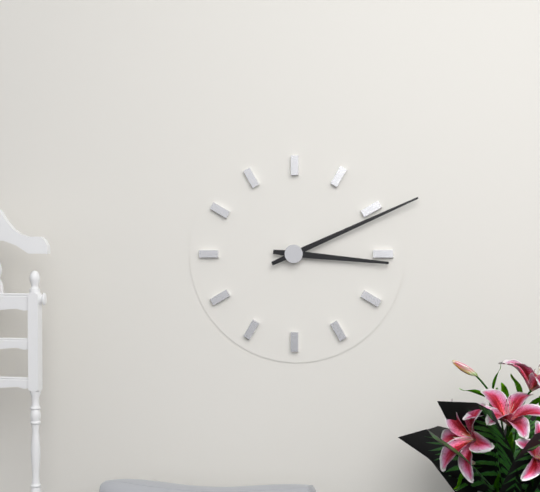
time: **3:11**
